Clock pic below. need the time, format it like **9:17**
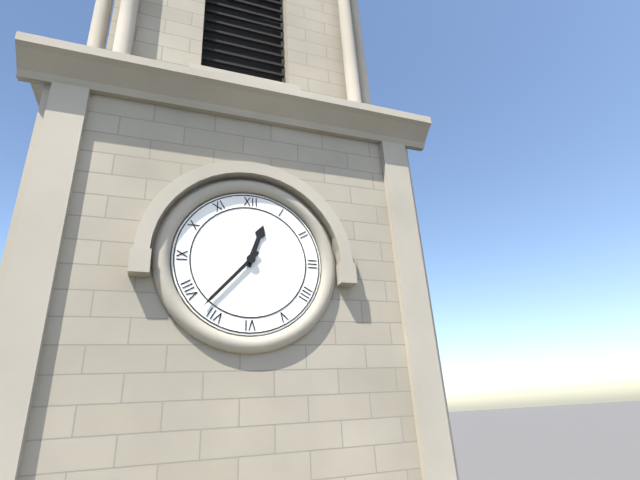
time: **12:37**
